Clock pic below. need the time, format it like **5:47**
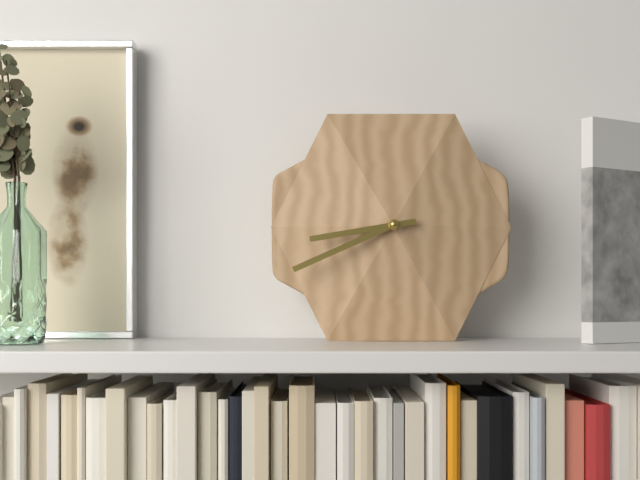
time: **8:41**
